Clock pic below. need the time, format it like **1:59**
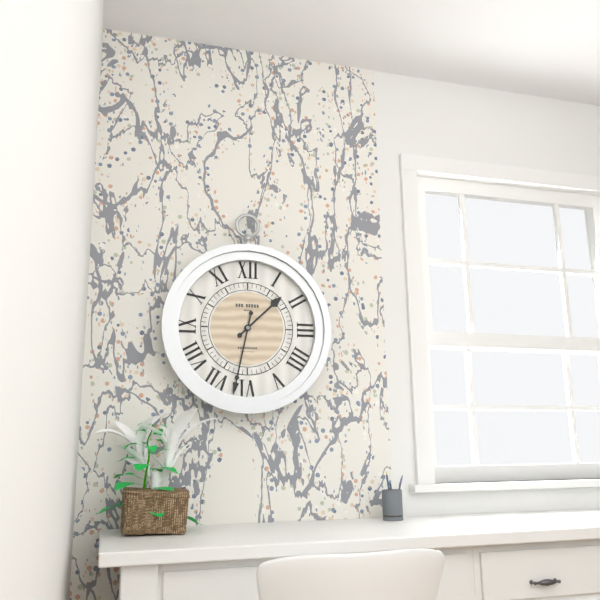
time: **1:32**
